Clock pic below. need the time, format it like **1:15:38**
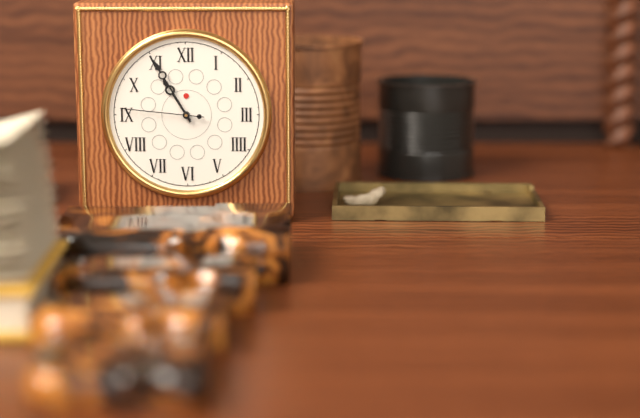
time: **10:55:46**
